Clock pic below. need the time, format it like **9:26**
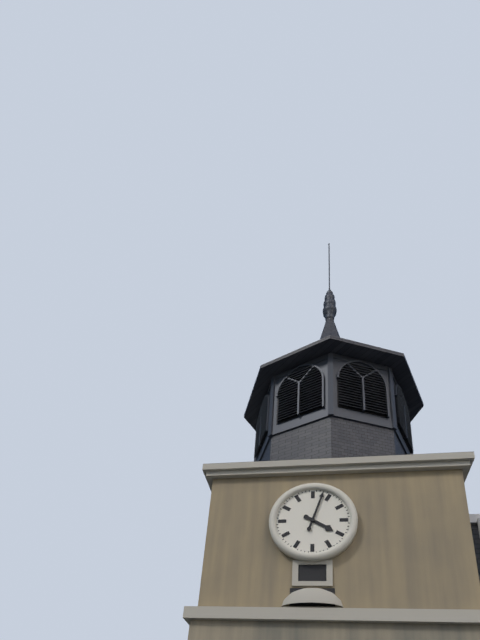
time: **4:03**
